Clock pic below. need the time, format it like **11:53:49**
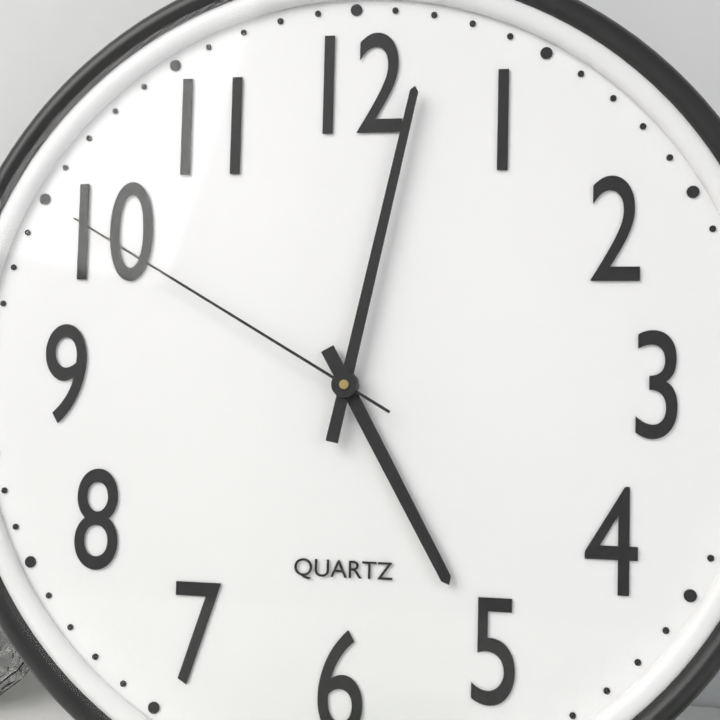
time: **5:02:50**
